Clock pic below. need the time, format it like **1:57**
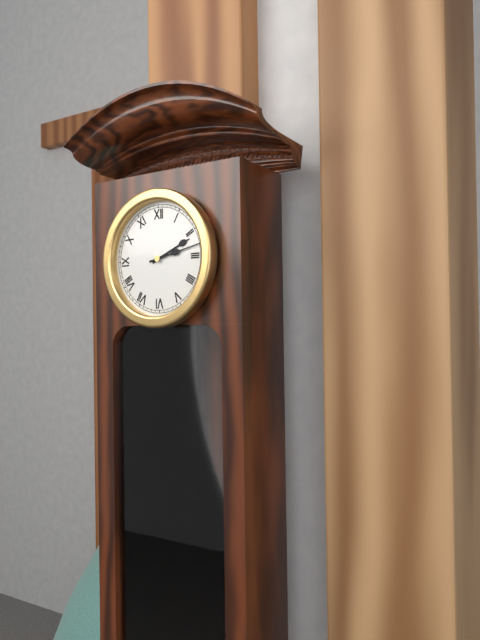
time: **2:13**
